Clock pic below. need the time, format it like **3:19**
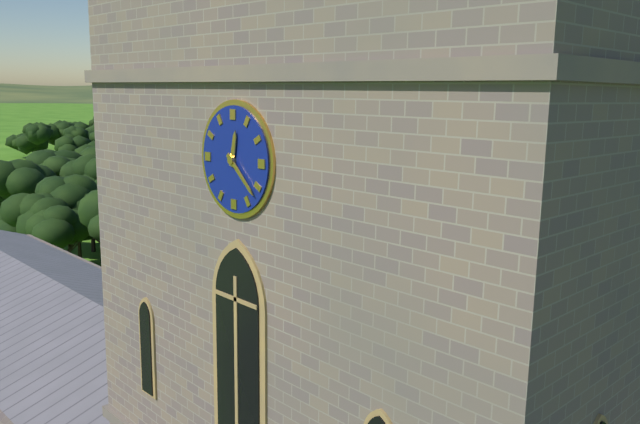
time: **12:22**
